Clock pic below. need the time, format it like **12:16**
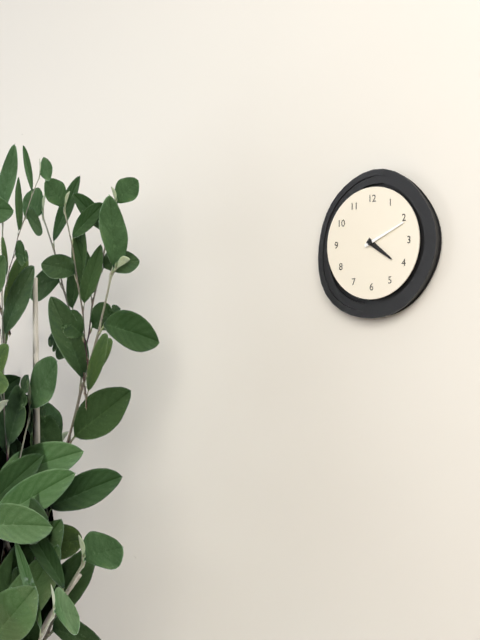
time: **4:11**
